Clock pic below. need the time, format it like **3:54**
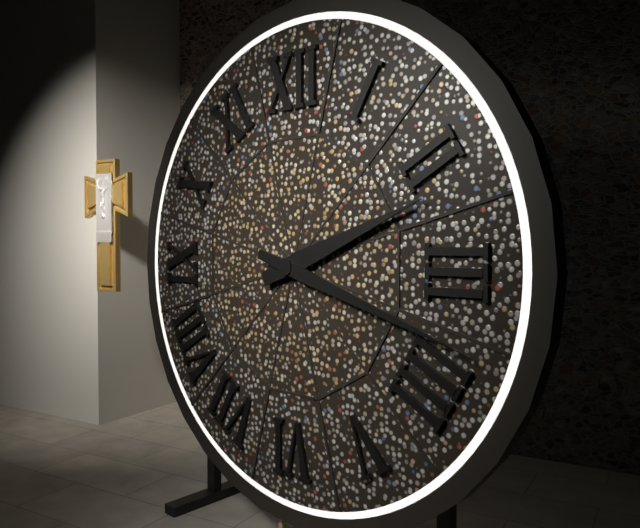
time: **2:18**
